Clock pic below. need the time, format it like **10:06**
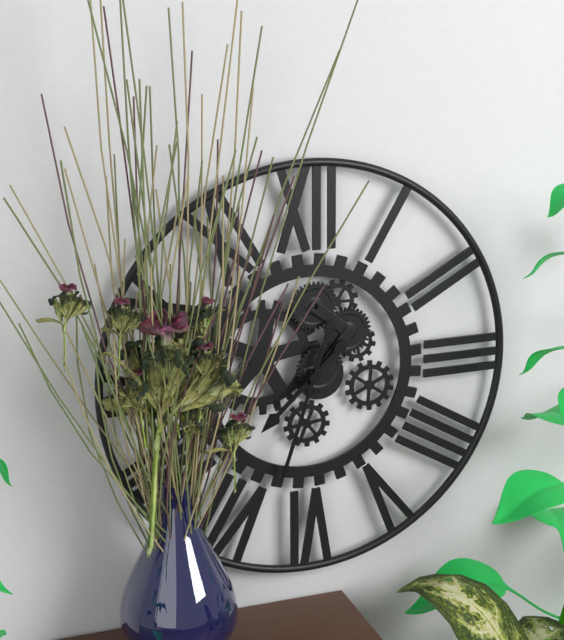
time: **7:33**
